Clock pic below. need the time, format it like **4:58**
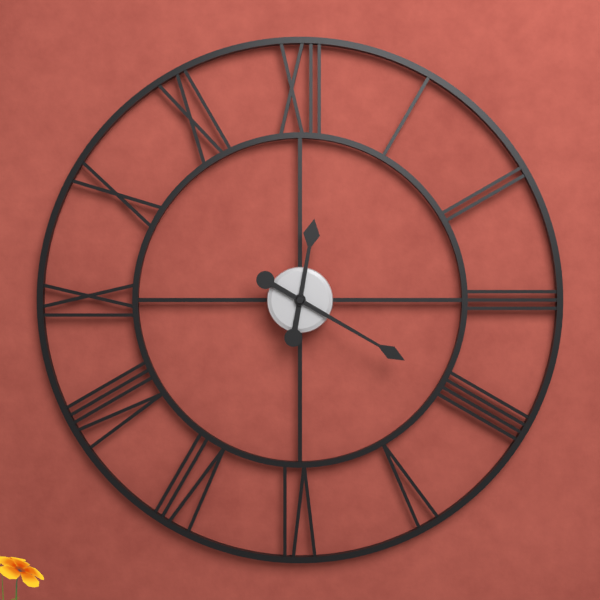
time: **12:20**
